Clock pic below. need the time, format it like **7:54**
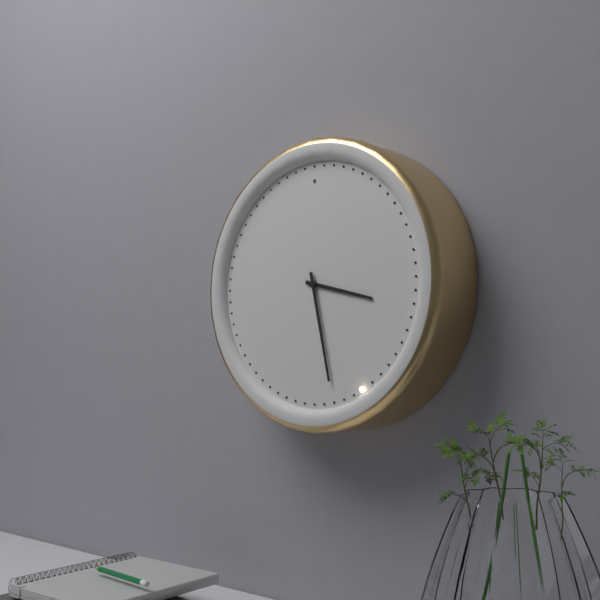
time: **3:28**
